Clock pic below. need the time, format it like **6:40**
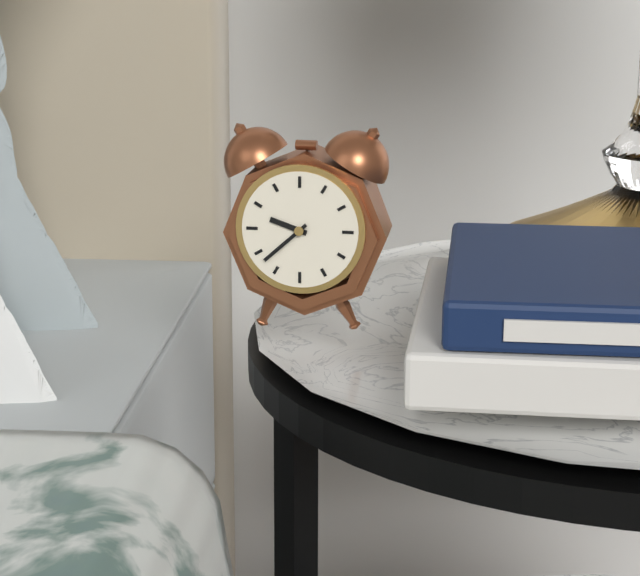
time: **9:38**
